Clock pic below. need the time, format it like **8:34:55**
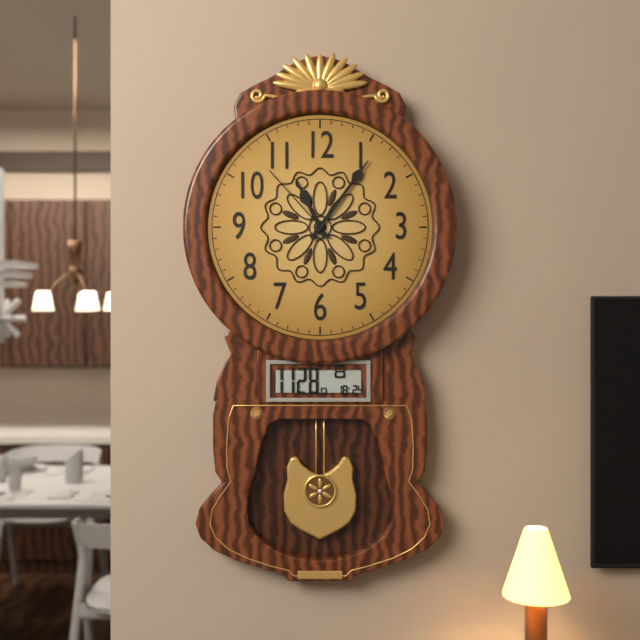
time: **11:06:53**
